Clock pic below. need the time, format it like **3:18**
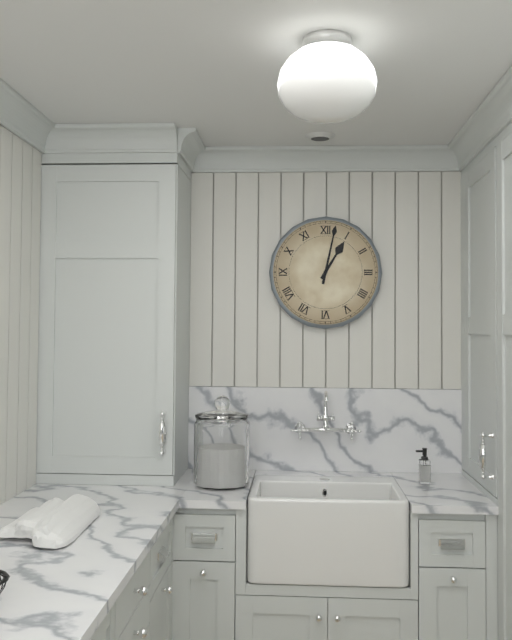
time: **1:02**
